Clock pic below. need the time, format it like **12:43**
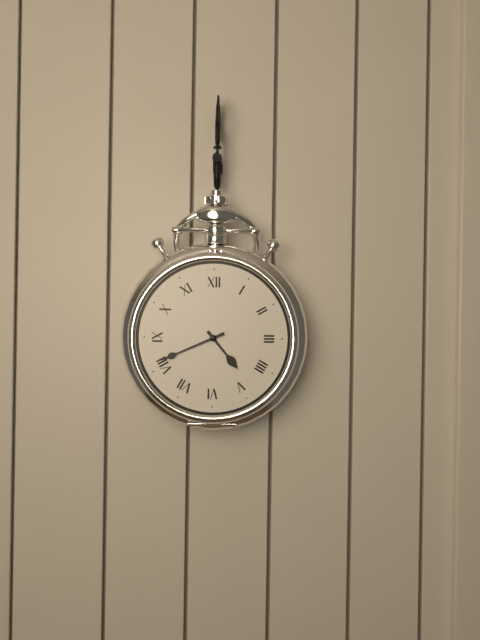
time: **4:41**
